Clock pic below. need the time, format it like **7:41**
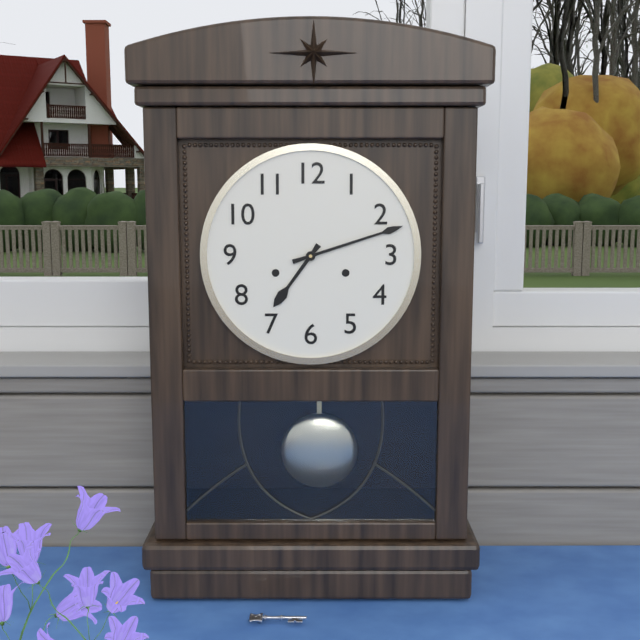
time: **7:12**
